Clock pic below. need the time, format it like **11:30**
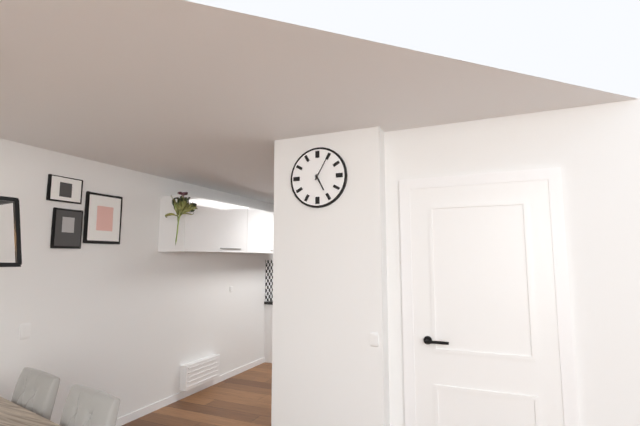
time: **5:05**
